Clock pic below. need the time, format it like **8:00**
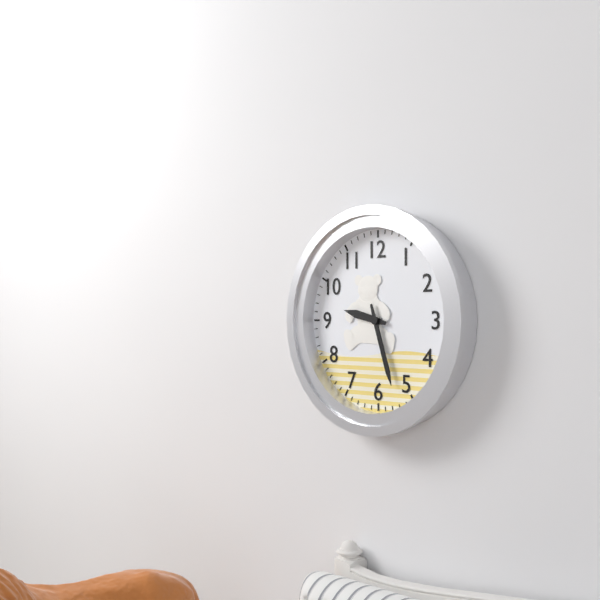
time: **9:27**
